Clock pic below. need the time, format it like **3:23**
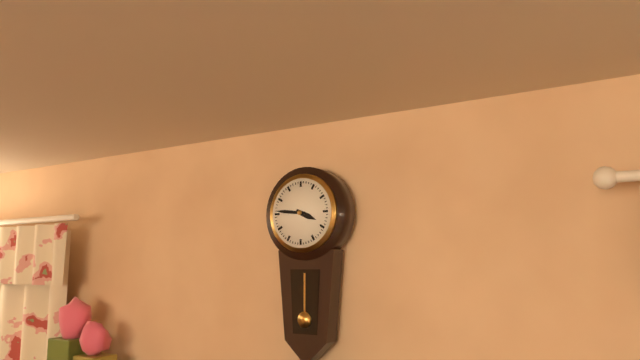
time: **3:46**
